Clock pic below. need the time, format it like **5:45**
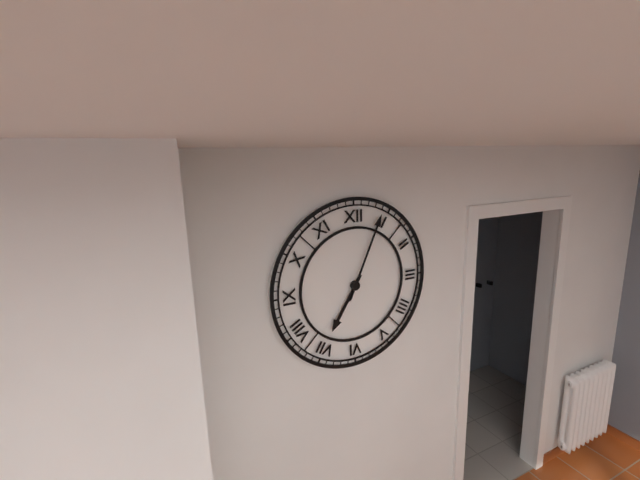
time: **7:04**
